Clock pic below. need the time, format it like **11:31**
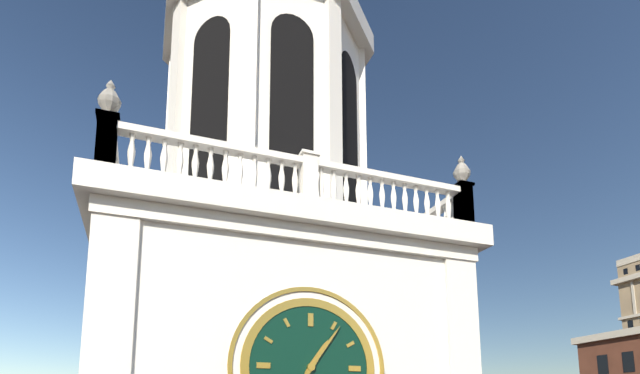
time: **1:06**
